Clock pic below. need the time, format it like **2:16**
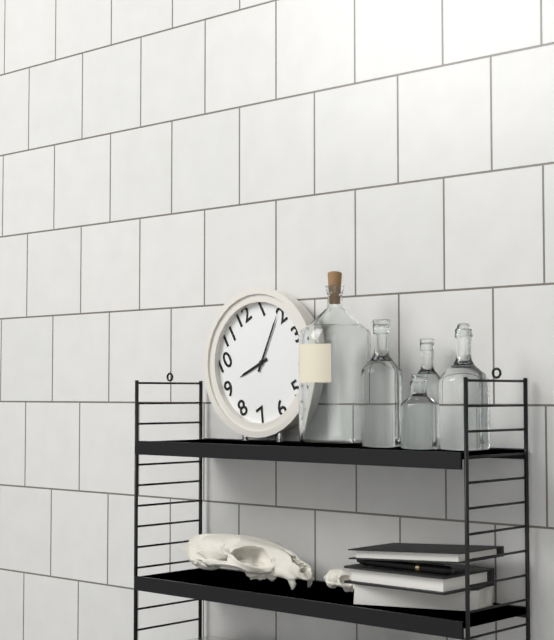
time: **9:09**
